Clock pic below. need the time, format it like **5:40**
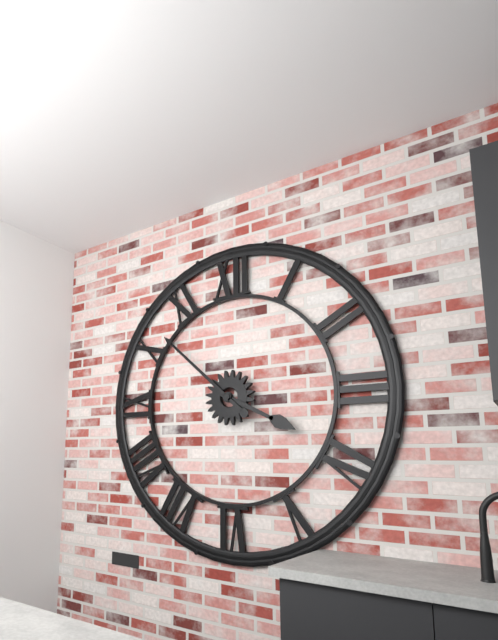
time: **3:52**
